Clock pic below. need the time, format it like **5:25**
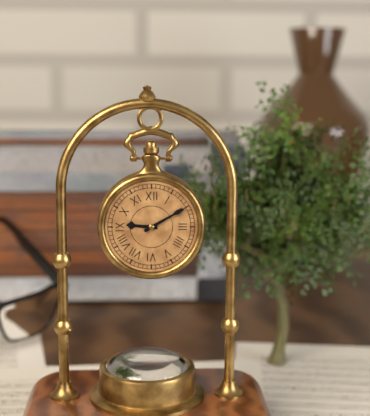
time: **9:10**
